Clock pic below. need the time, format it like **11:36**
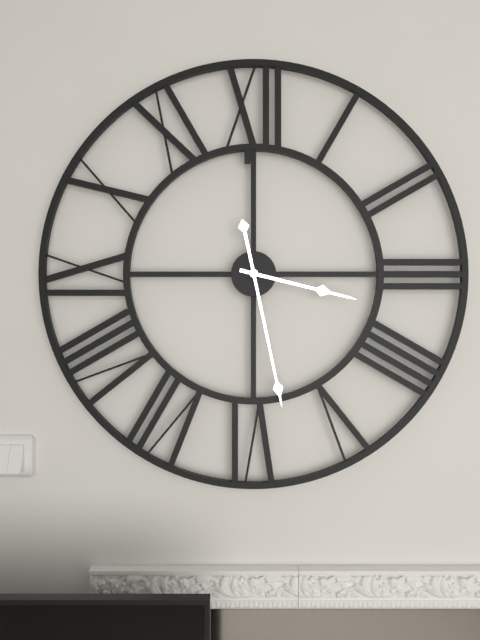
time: **3:28**
